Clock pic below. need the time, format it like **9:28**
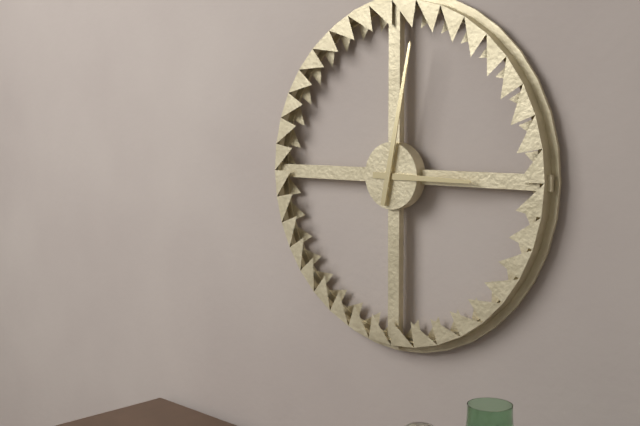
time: **3:02**
